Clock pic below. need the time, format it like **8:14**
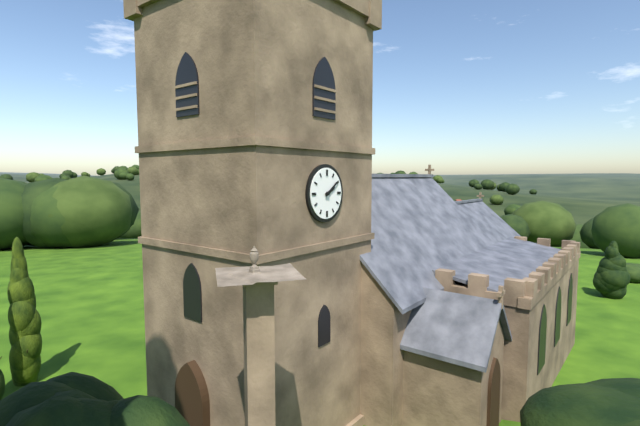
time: **2:09**
